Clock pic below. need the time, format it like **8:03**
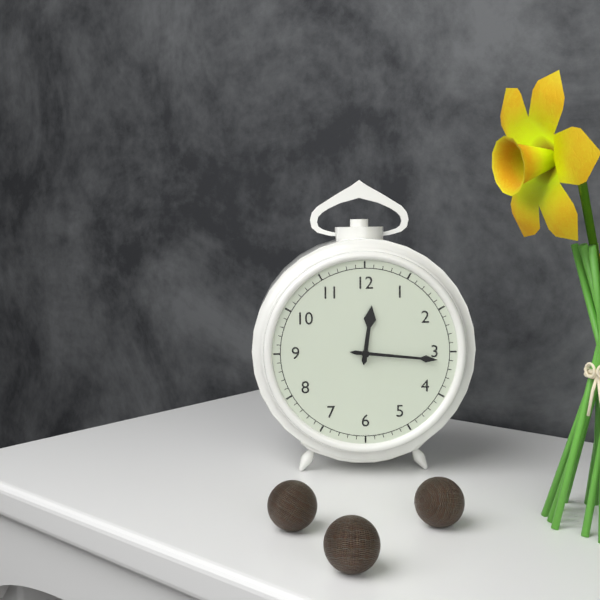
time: **12:16**
